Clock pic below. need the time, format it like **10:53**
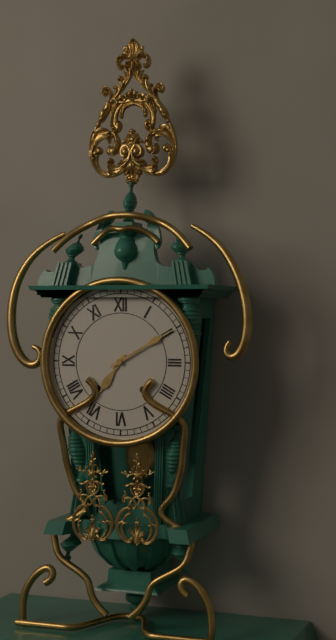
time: **7:10**
